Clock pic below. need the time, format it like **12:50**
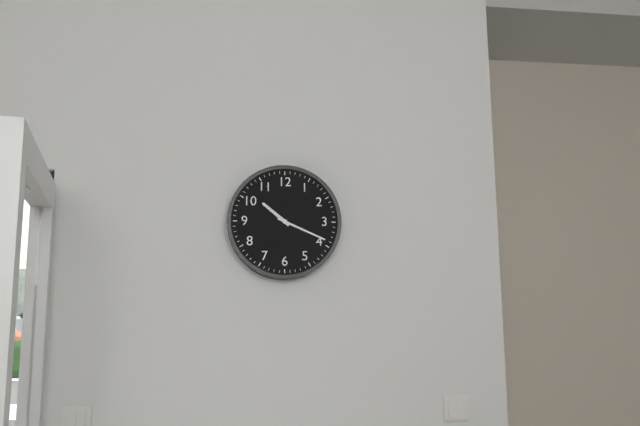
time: **10:19**
